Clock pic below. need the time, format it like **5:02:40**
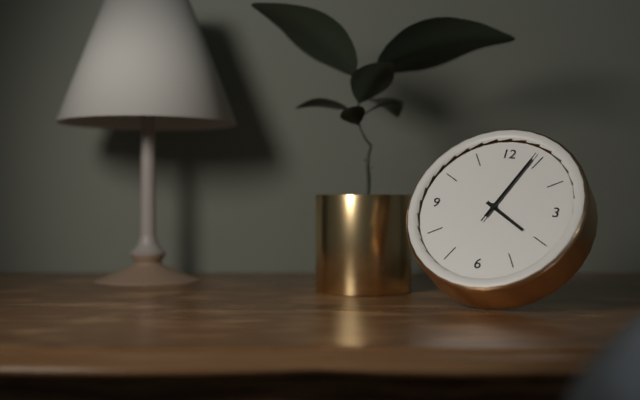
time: **4:04:04**
